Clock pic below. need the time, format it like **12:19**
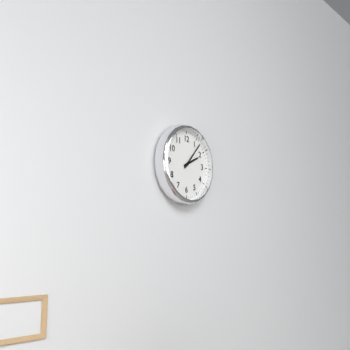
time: **2:07**
